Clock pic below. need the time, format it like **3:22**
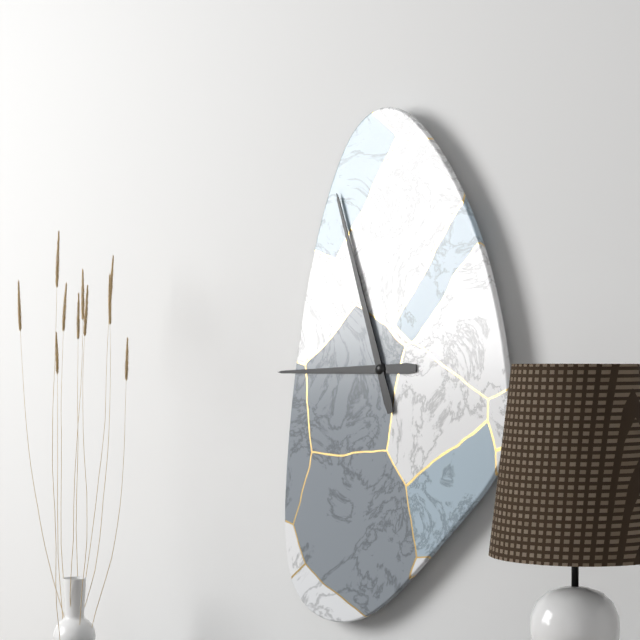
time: **8:57**
